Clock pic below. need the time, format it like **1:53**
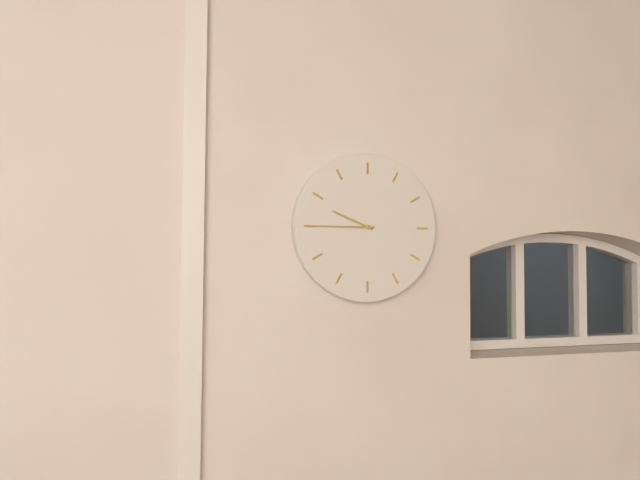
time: **9:45**
